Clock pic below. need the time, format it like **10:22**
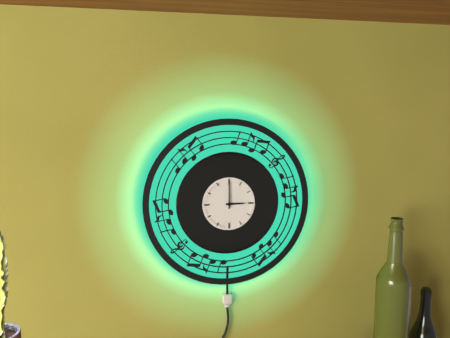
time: **3:00**
